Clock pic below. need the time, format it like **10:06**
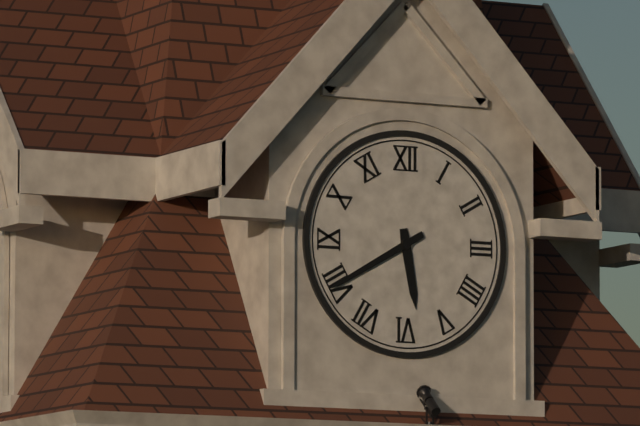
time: **5:40**
